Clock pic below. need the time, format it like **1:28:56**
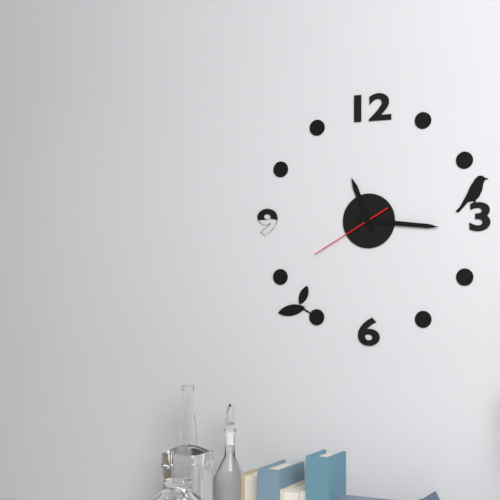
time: **11:16:40**
